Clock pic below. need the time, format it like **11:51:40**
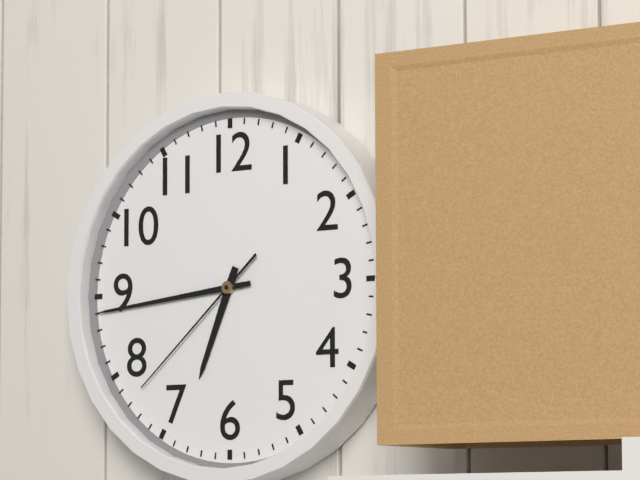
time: **6:44:38**
